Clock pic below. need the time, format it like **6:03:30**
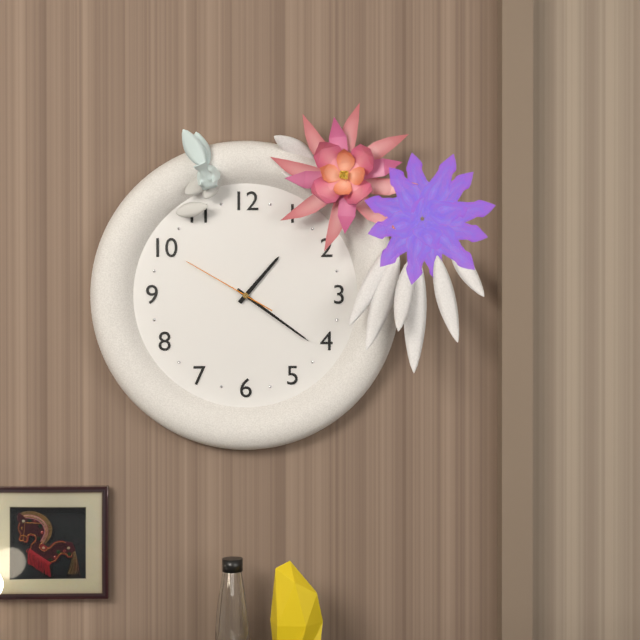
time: **1:21:50**
